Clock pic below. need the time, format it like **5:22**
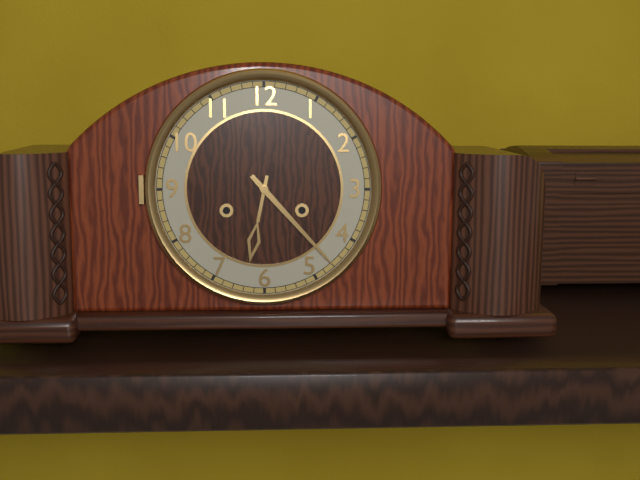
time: **6:23**
